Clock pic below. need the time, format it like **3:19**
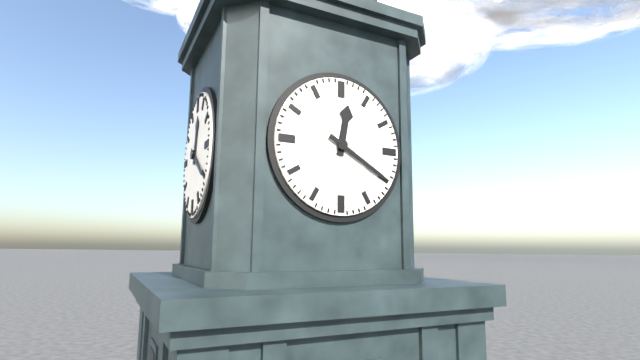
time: **12:20**
